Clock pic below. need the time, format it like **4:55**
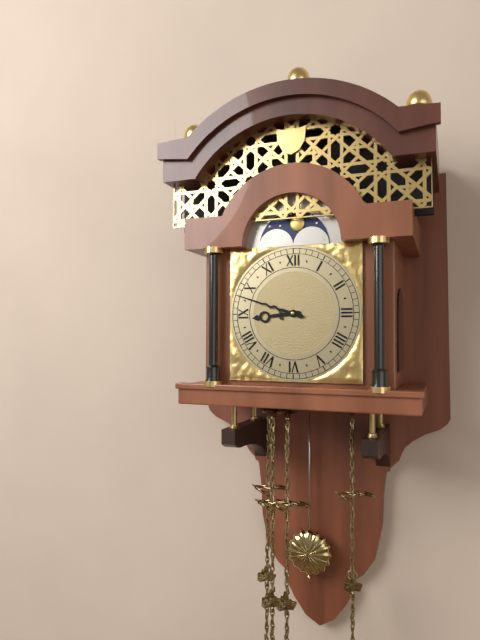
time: **8:48**
